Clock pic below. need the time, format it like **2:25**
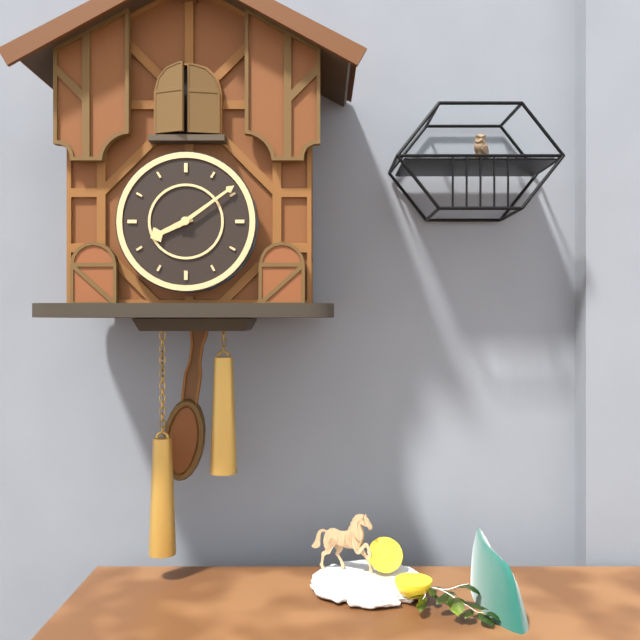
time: **8:09**
